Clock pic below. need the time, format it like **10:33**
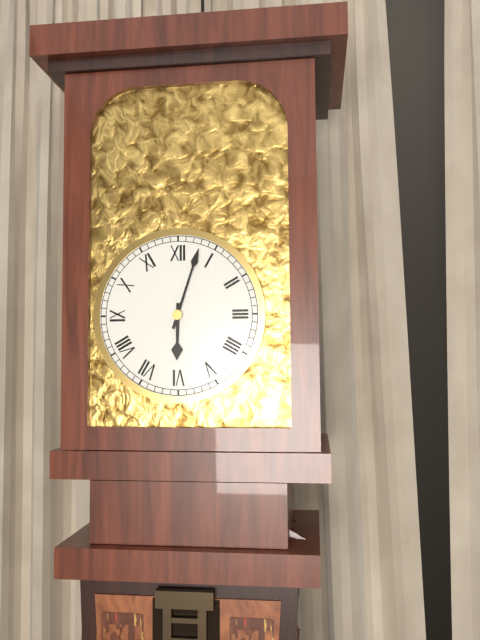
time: **6:03**
